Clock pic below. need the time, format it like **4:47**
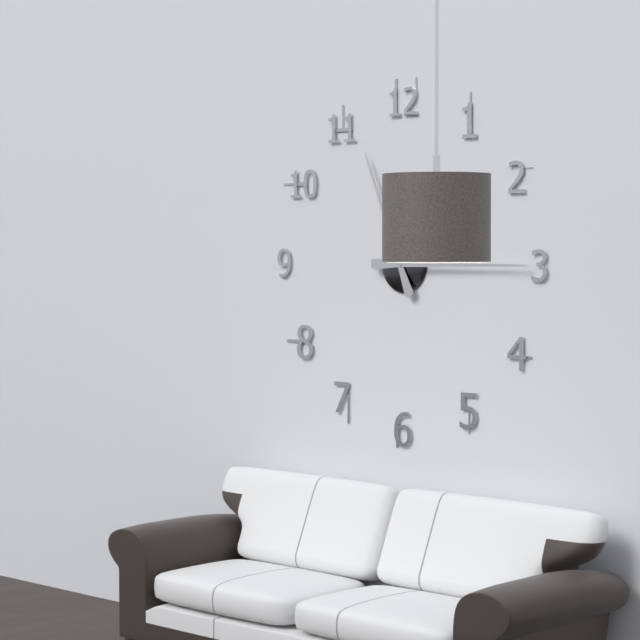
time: **11:15**
